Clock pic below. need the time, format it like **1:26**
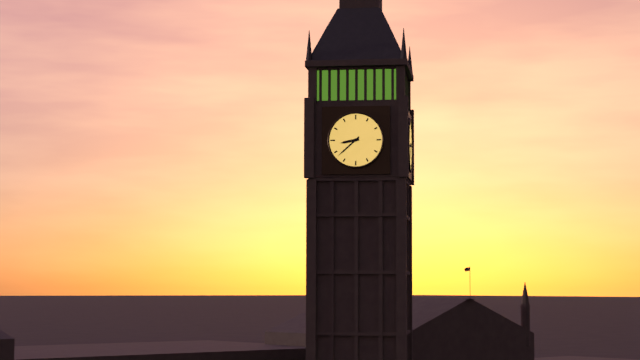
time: **8:38**
